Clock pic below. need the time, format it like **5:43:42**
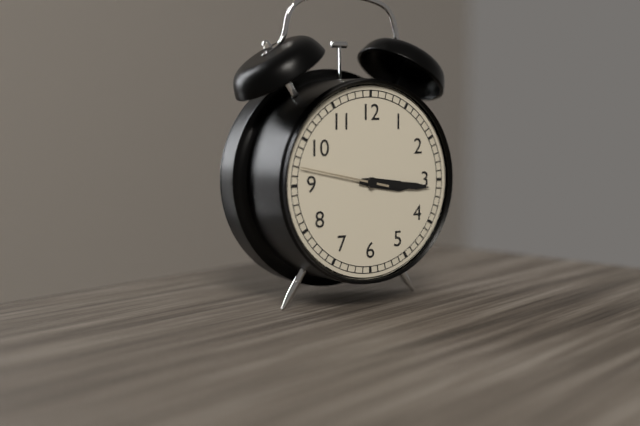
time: **3:16:47**
